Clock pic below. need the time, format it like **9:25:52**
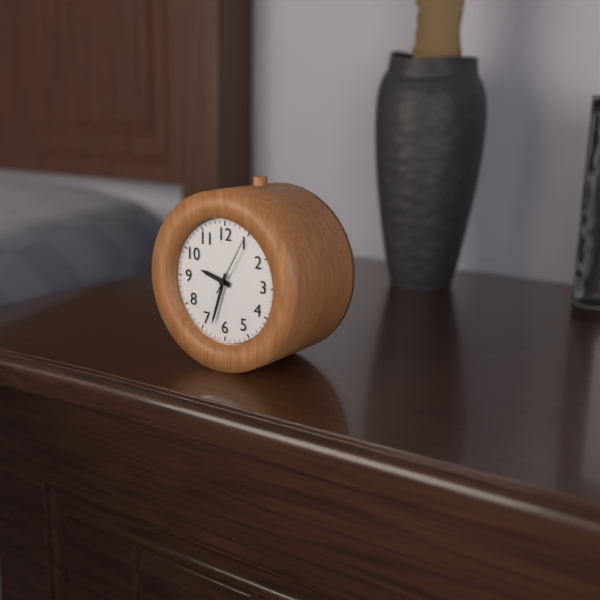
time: **9:33:05**
